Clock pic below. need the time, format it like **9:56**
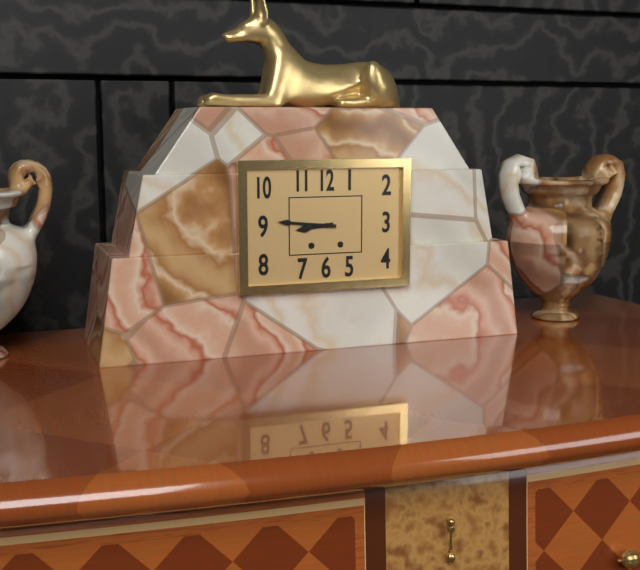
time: **8:46**
